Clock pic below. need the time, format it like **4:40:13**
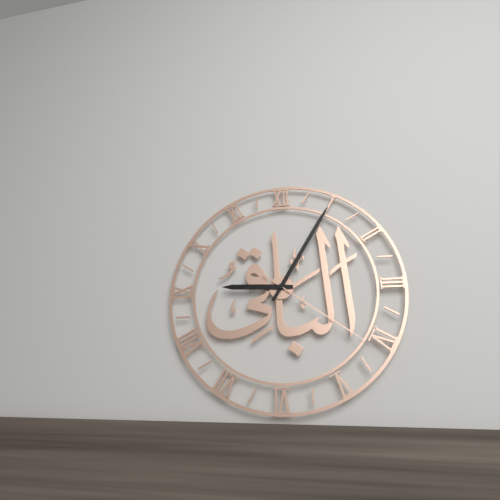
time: **9:05:21**
